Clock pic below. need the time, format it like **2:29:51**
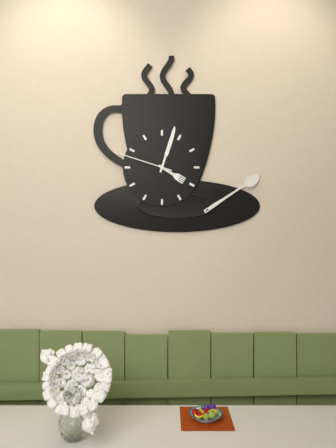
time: **4:03:48**
